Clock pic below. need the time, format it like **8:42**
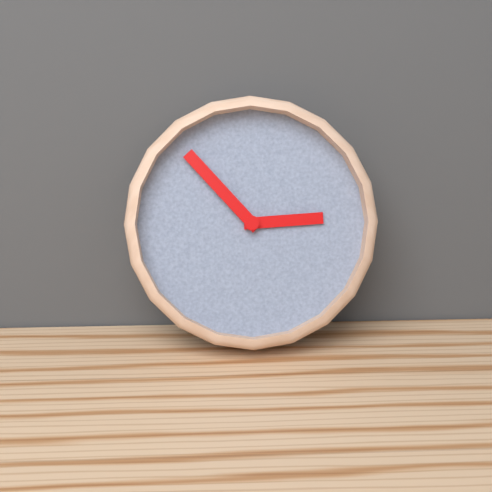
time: **2:53**
